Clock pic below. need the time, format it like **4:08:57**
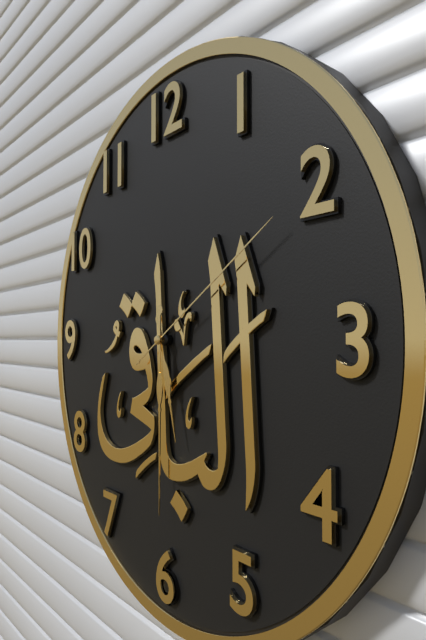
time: **5:30:10**
